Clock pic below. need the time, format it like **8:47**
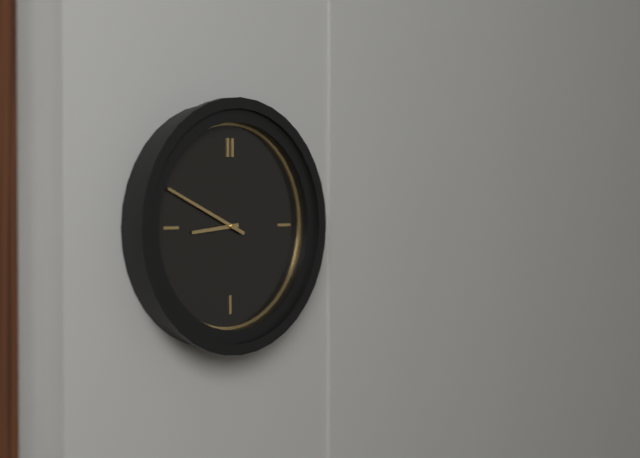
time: **8:49**
